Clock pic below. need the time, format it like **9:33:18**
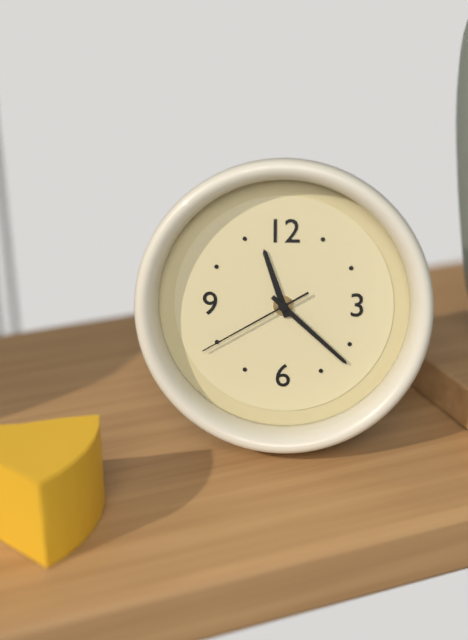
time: **11:22:40**
